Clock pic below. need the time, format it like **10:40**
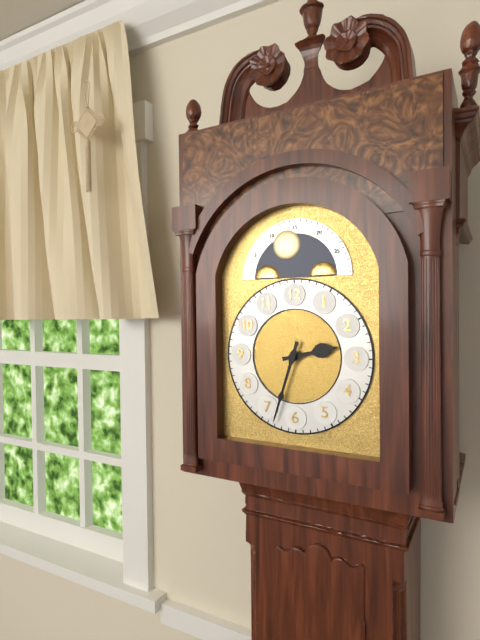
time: **2:33**
